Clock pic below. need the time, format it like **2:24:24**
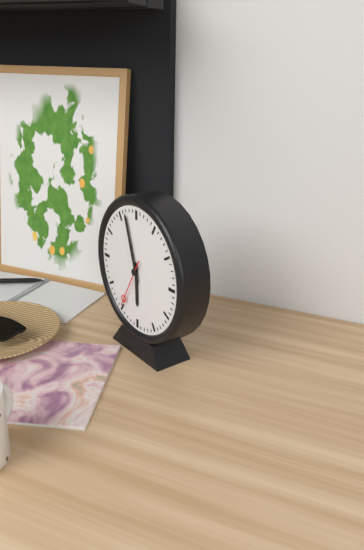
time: **5:57:35**
